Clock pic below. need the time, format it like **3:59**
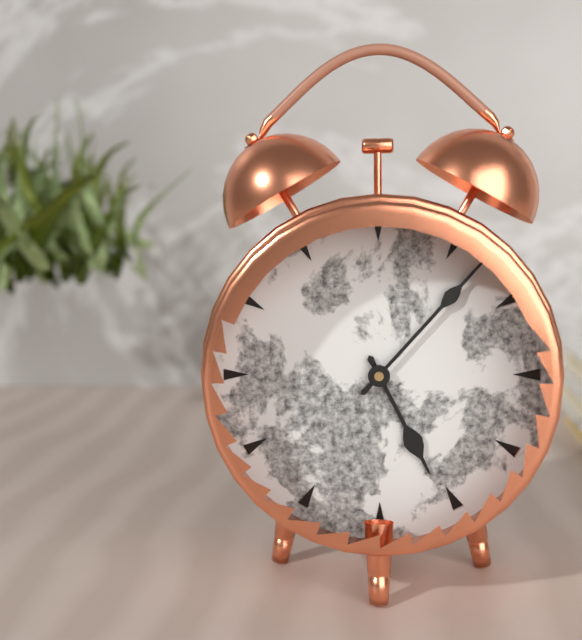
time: **5:07**
